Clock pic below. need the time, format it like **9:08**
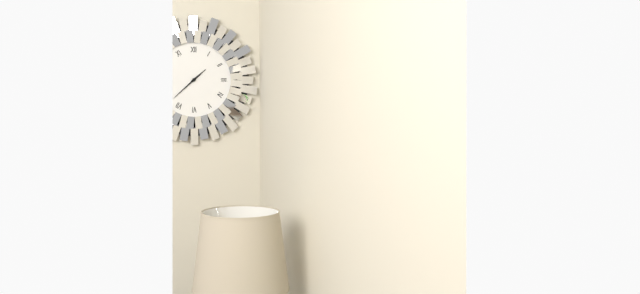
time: **1:38**
